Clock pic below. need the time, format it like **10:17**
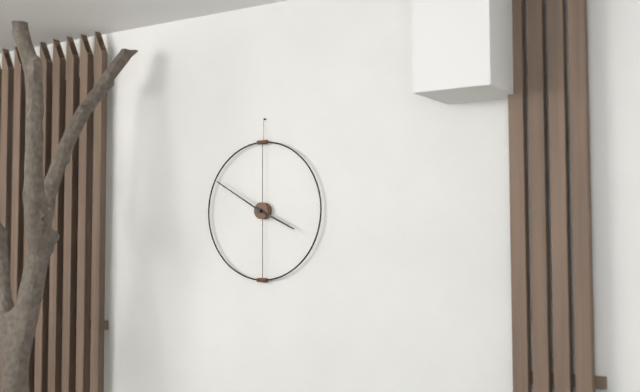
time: **3:50**
